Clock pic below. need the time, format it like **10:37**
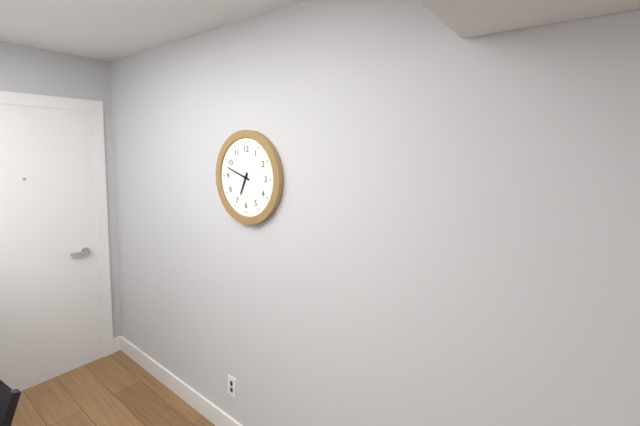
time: **6:48**
